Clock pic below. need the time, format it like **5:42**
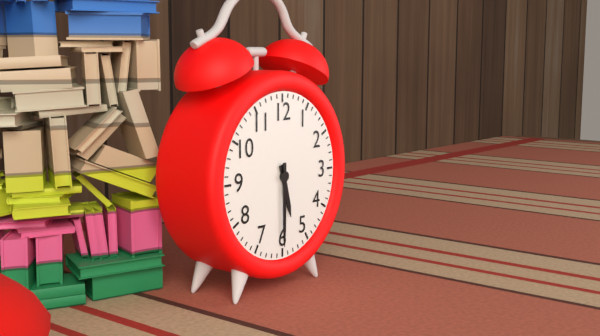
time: **5:30**
